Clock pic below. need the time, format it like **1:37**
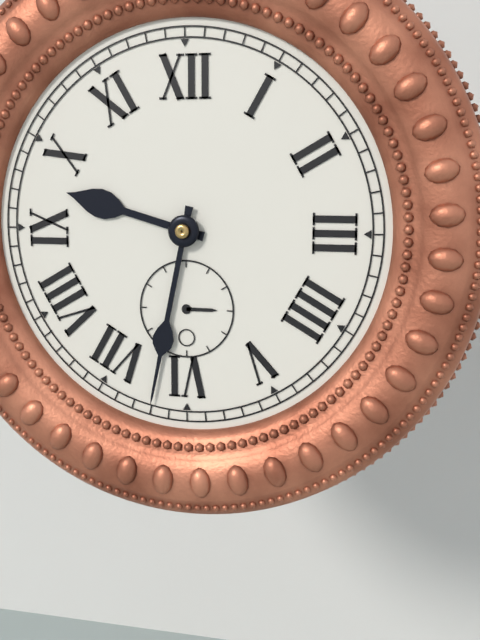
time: **9:32**
